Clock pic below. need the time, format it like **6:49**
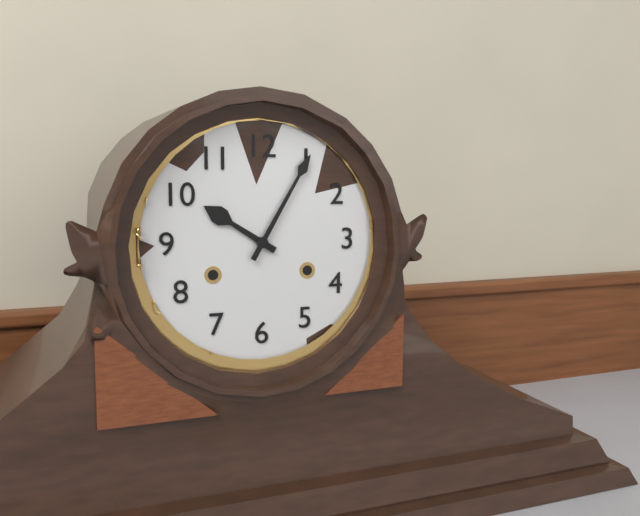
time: **10:05**
